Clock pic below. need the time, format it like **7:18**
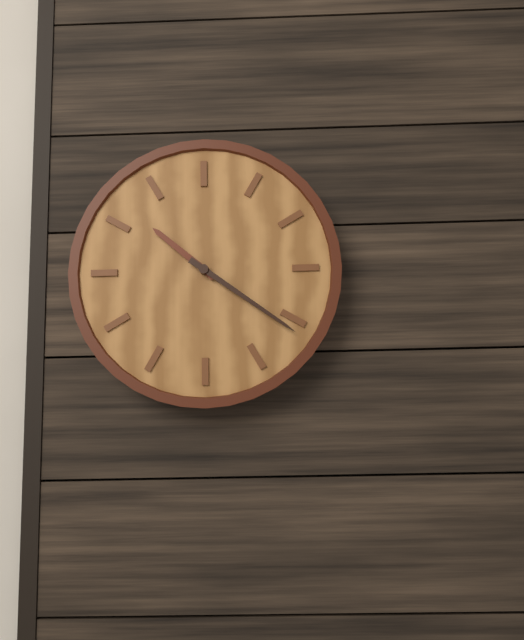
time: **10:21**
